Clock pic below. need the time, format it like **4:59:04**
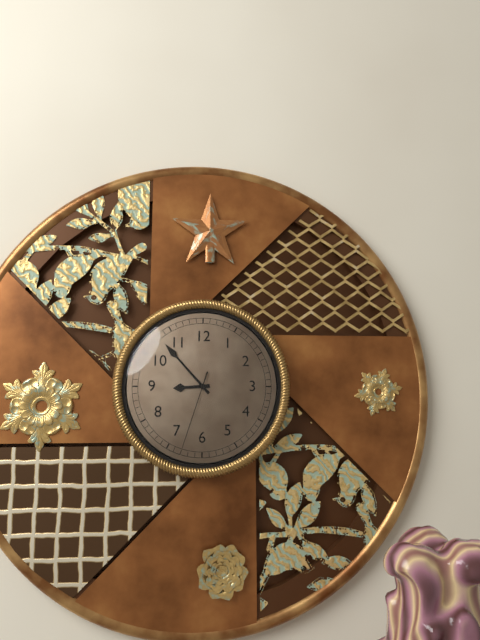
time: **8:53:33**
